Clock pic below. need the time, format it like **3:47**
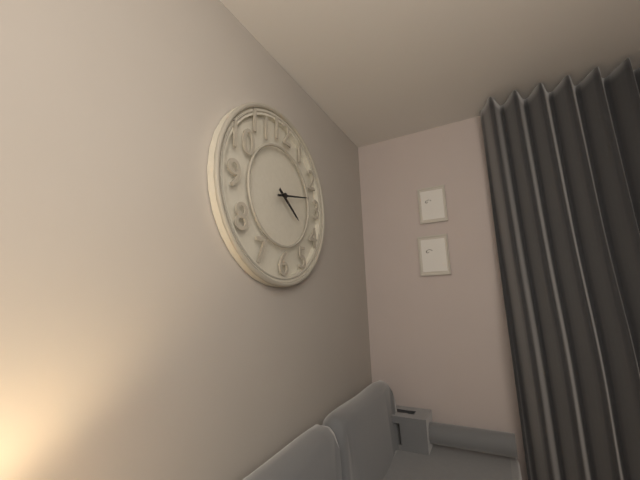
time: **4:13**
